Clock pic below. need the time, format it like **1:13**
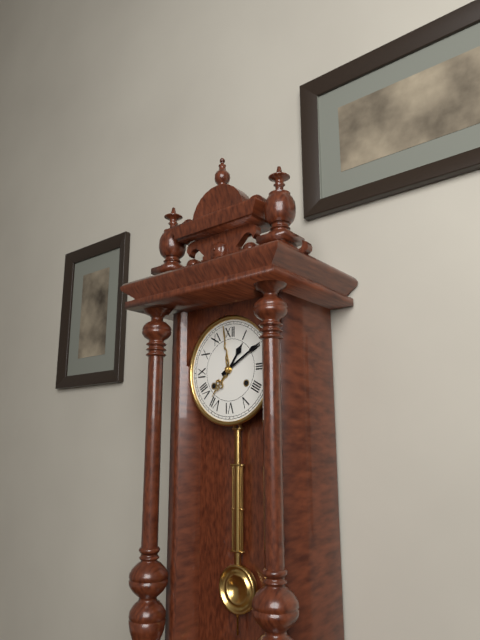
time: **1:10**
